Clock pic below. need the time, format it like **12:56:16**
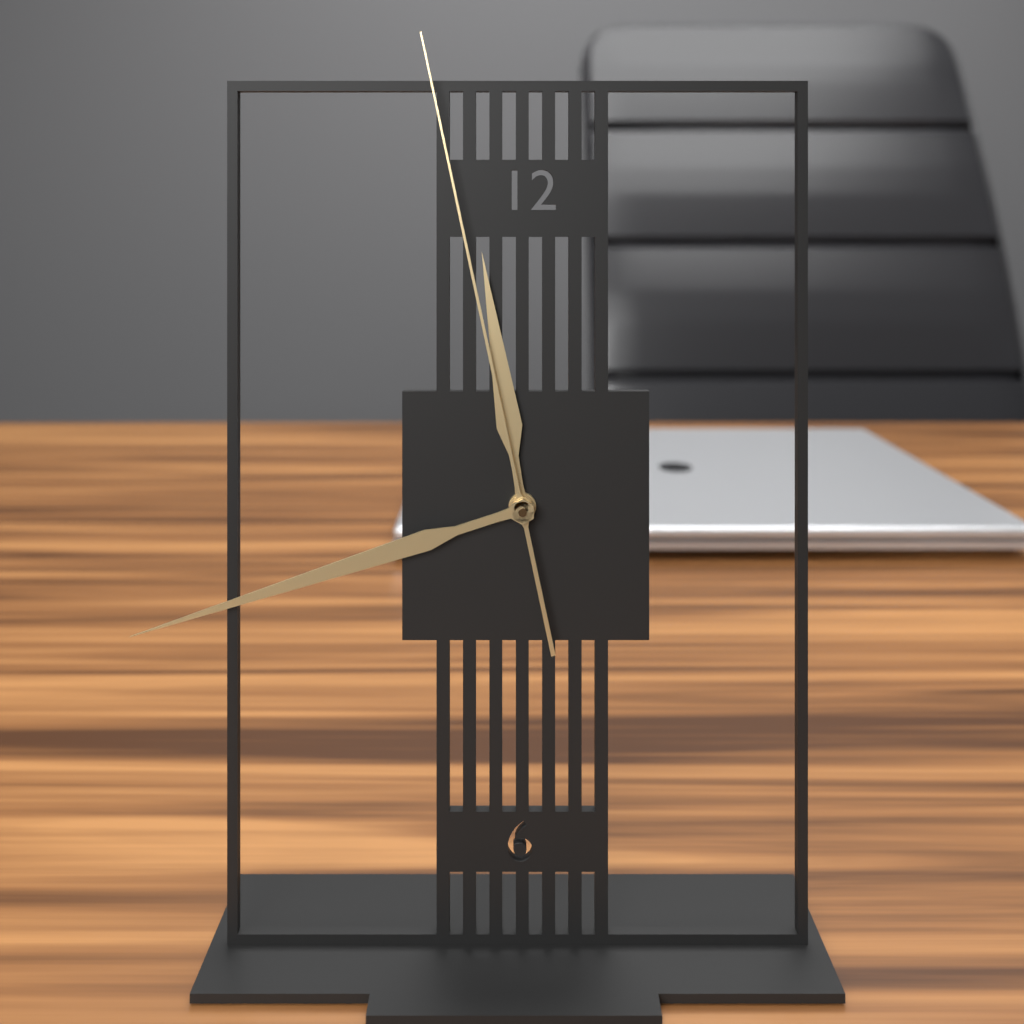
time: **11:42:58**
